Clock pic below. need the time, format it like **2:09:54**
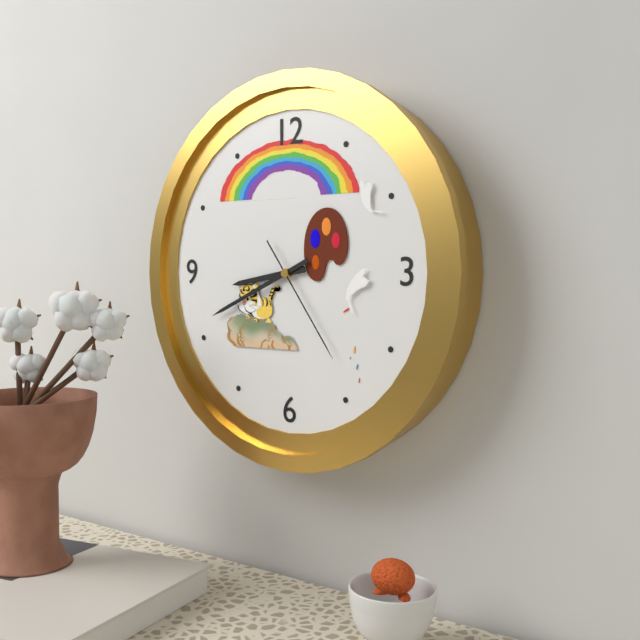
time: **8:41:24**
